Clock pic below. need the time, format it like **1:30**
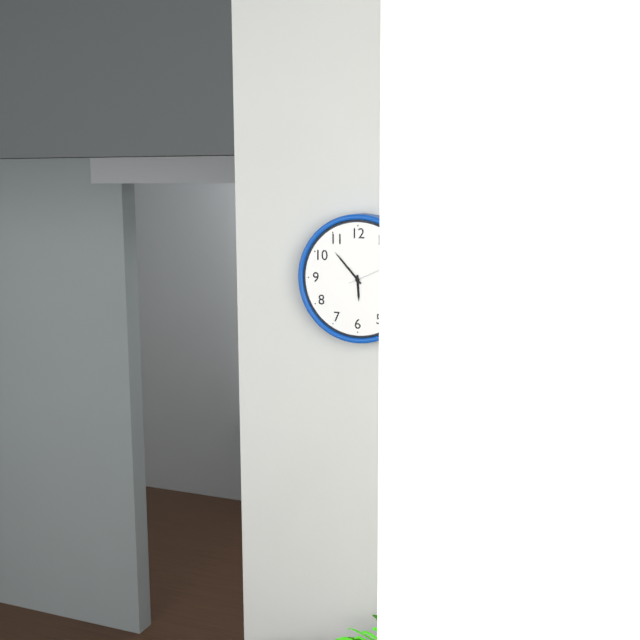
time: **5:53**
